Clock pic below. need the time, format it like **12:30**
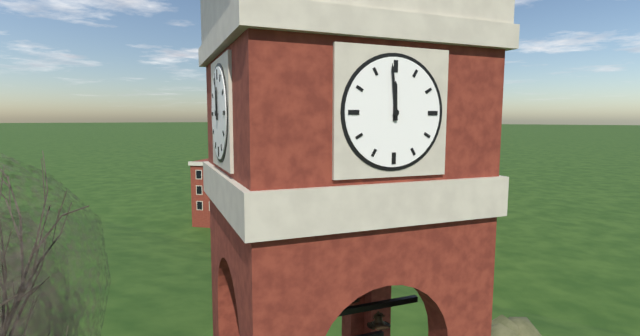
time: **11:59**
